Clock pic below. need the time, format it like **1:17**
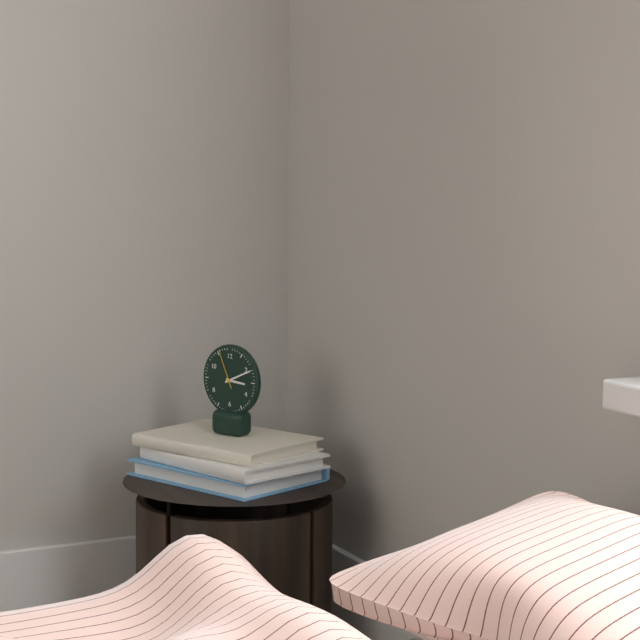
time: **3:11**
